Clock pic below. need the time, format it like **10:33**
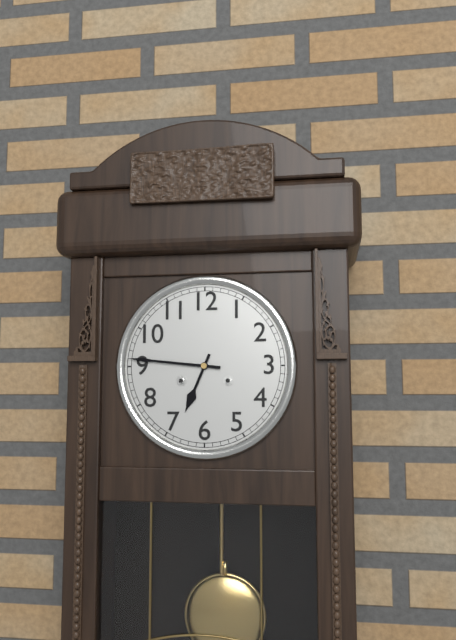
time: **6:46**
